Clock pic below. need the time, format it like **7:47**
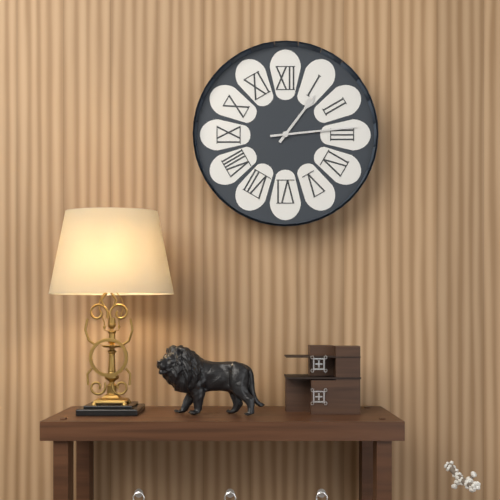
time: **1:14**
